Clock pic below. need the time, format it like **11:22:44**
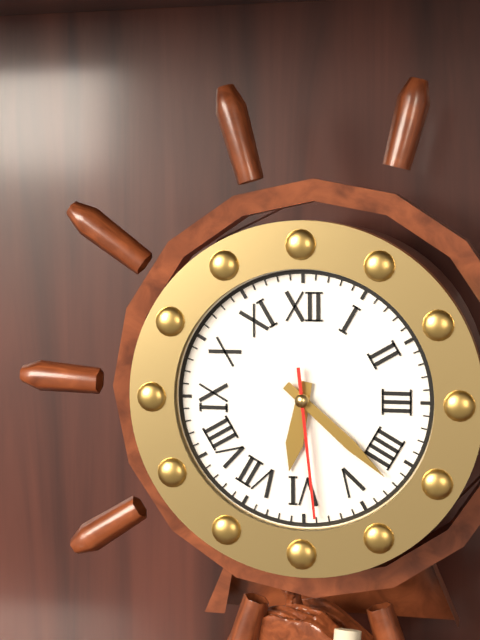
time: **6:22:29**
